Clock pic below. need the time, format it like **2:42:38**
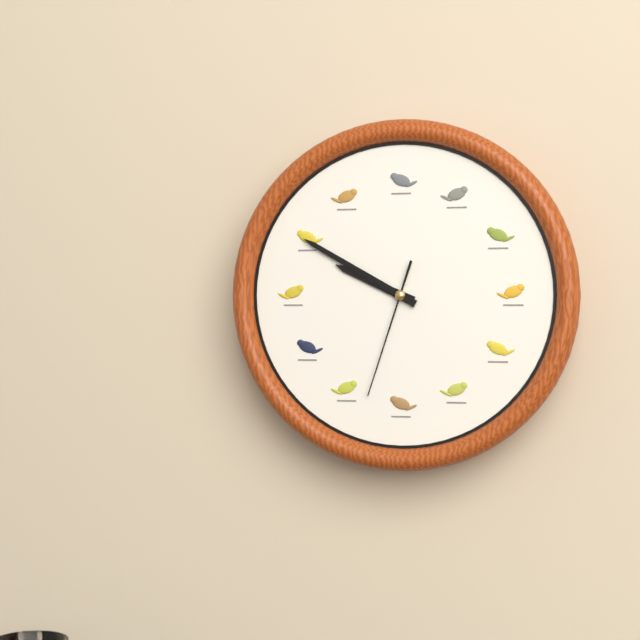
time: **9:50:33**
